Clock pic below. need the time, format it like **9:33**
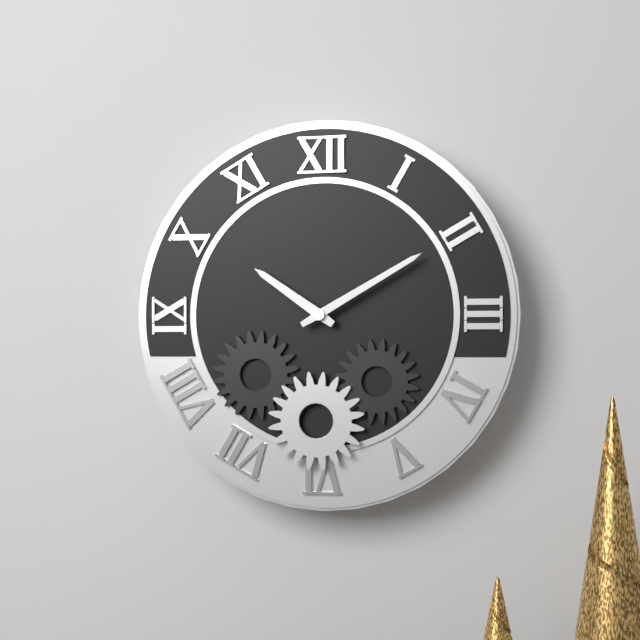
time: **10:10**
